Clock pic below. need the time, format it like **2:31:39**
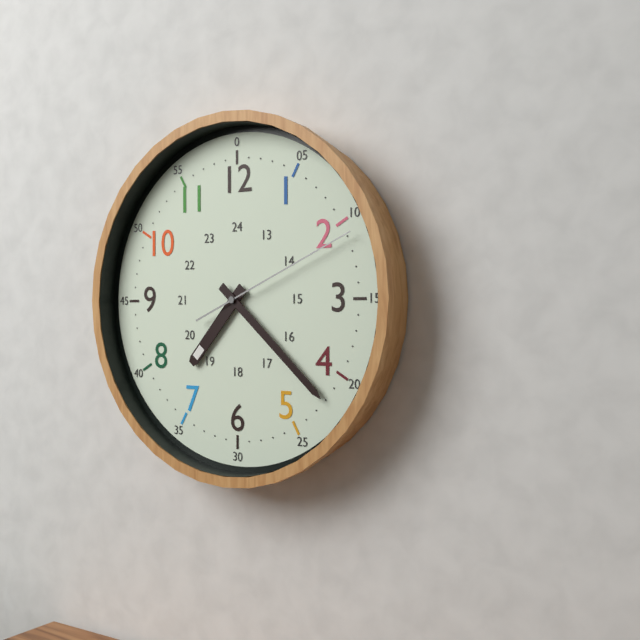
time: **7:22:11**
